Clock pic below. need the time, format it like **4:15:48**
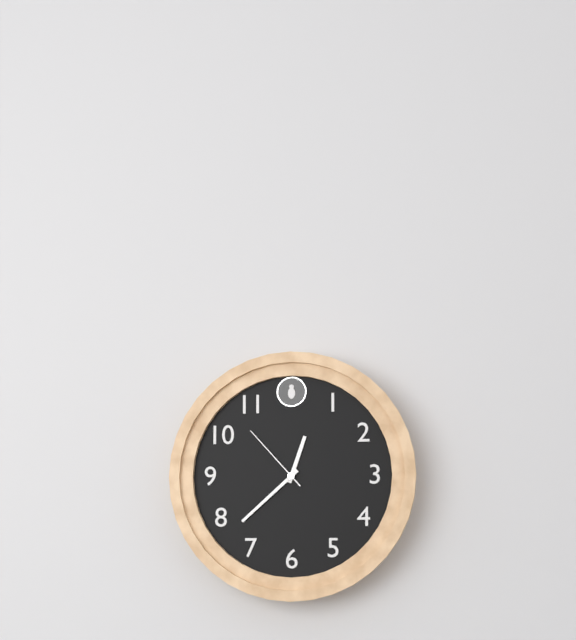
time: **12:38:53**
